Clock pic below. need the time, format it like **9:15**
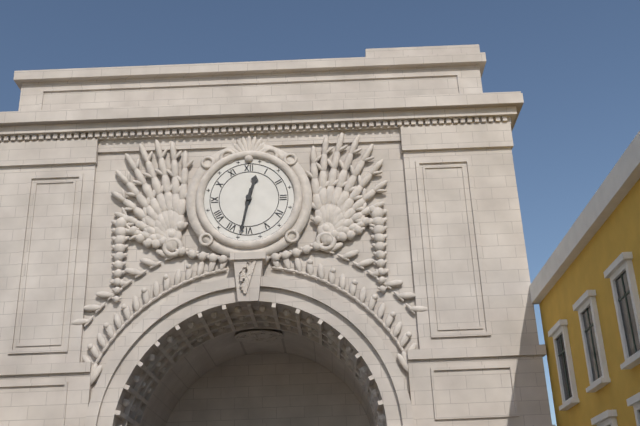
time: **12:32**
